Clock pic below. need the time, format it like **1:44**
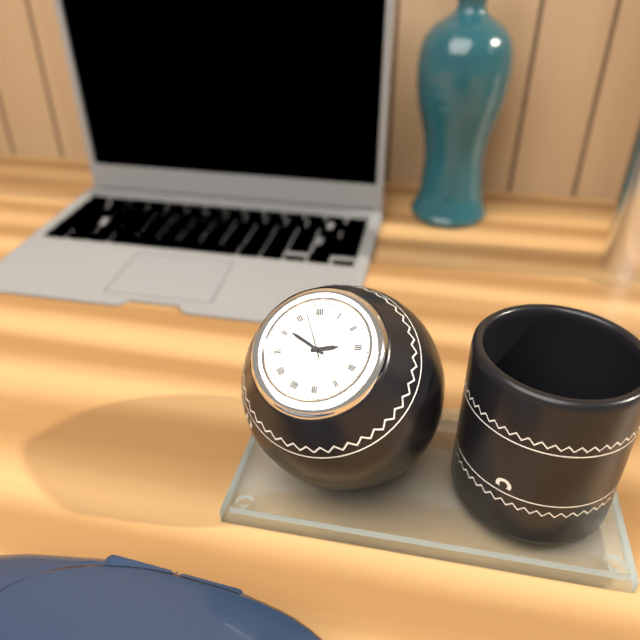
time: **2:51**
